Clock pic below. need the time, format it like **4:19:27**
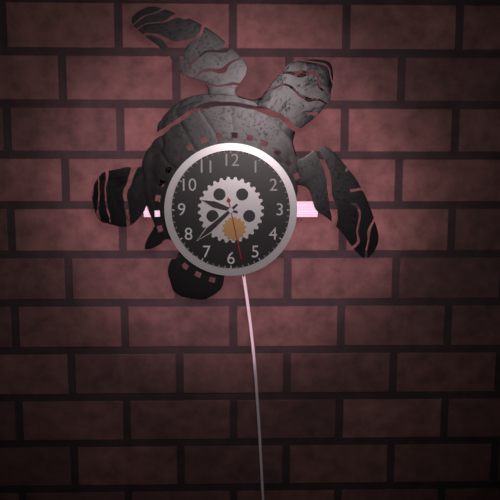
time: **9:38:28**
